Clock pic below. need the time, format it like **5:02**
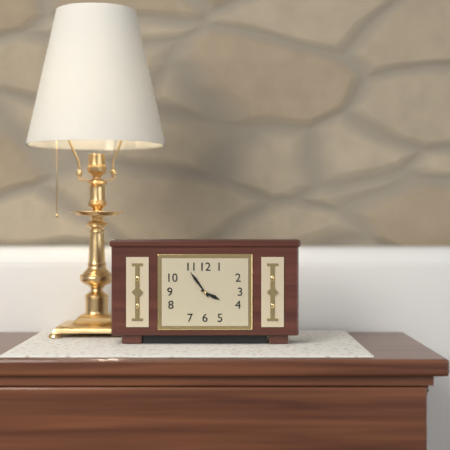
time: **3:54**
